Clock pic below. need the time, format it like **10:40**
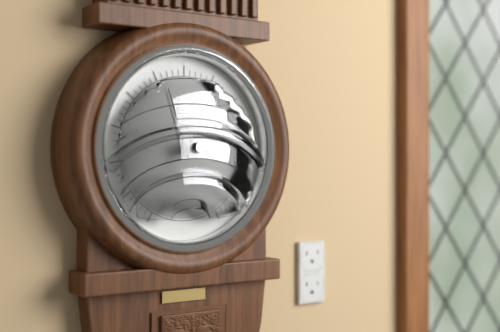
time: **2:57**
